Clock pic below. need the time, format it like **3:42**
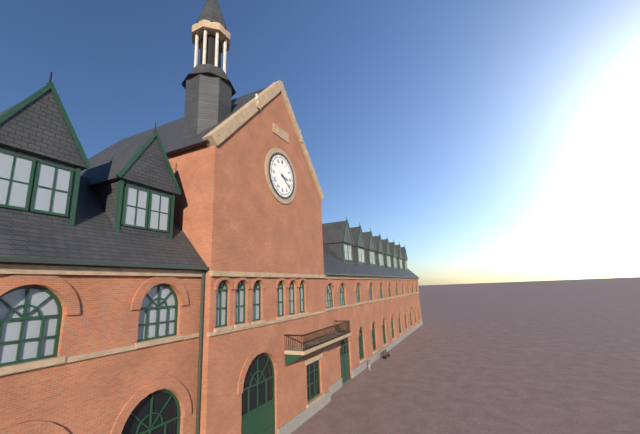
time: **3:21**
